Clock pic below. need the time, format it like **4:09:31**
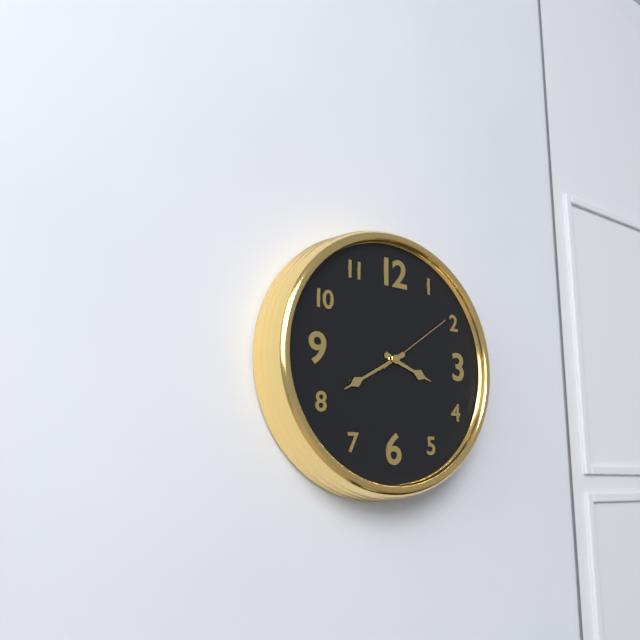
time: **3:40:09**
